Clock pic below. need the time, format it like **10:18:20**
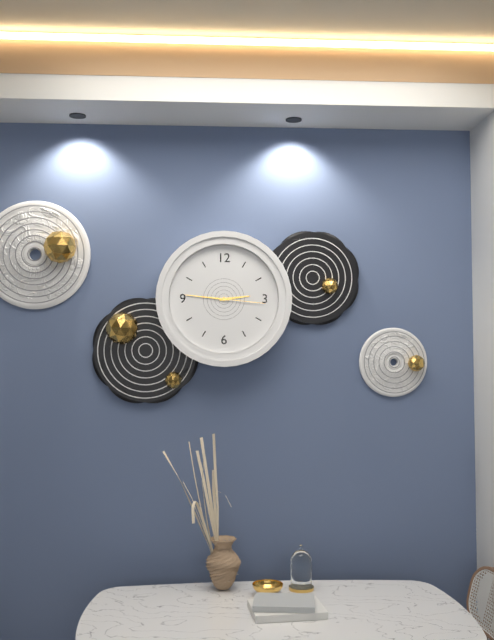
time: **2:46:16**
